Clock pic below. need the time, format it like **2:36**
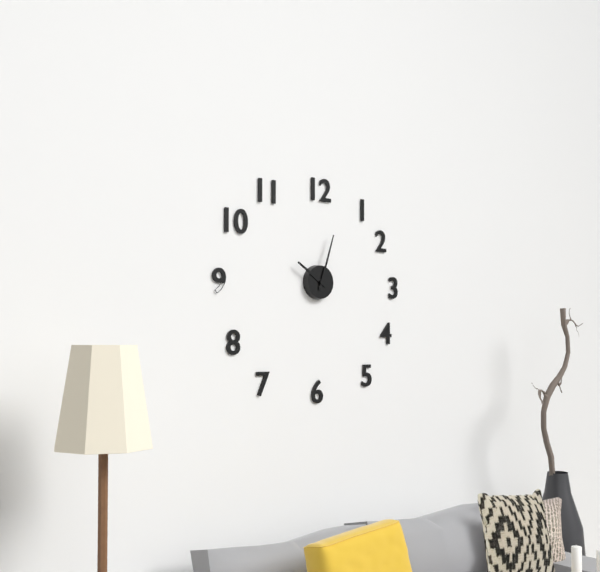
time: **10:03**
